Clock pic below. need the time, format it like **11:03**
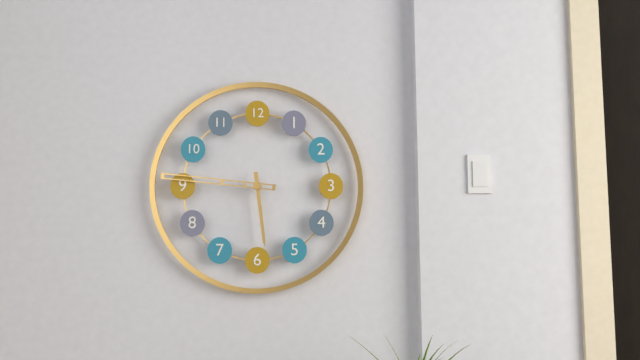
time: **5:46**
